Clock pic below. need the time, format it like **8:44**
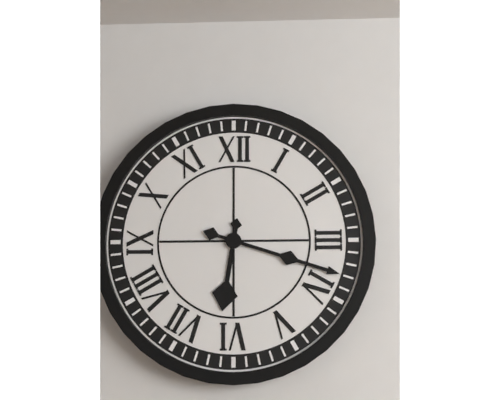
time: **6:18**
